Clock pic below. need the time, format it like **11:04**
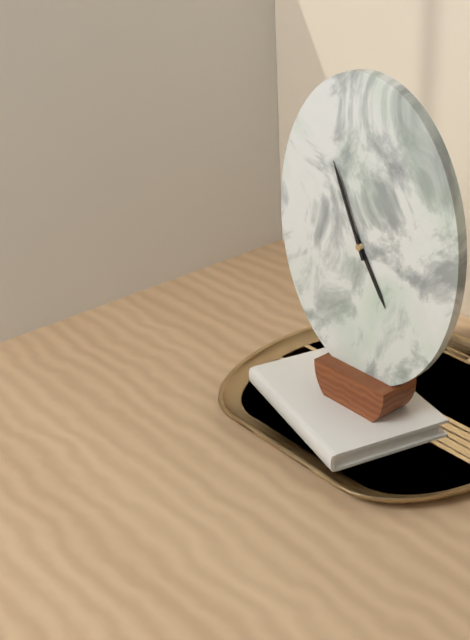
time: **4:56**
